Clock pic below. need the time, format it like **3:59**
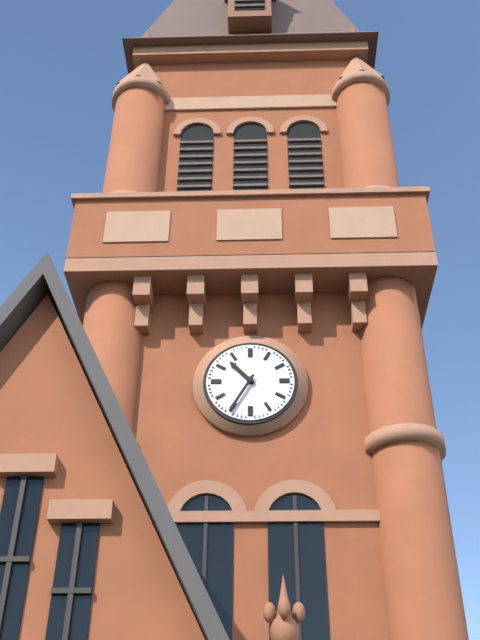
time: **10:35**
